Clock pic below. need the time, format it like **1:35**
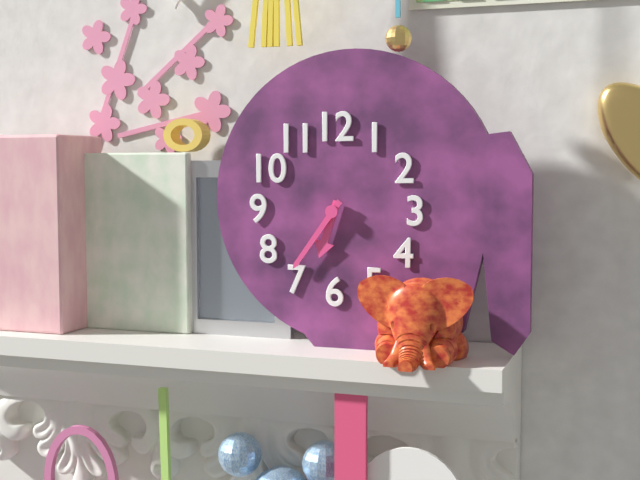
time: **6:36**
